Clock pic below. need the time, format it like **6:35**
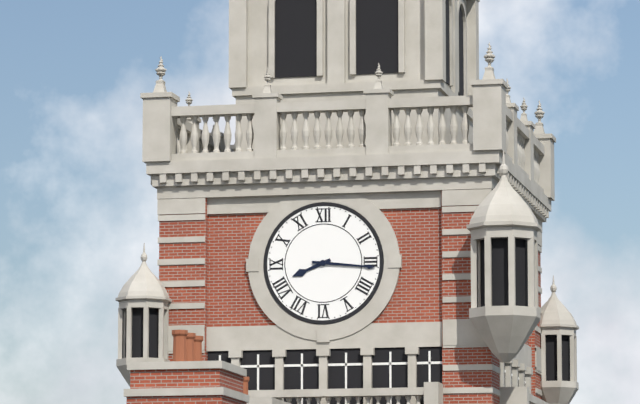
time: **8:16**
